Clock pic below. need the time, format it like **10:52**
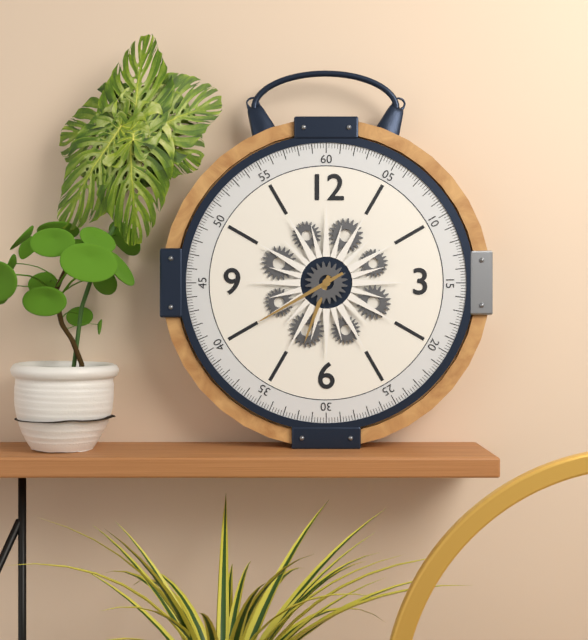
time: **6:40**
